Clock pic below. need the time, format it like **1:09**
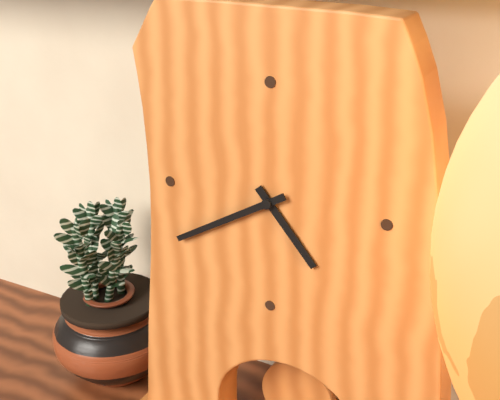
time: **4:40**
